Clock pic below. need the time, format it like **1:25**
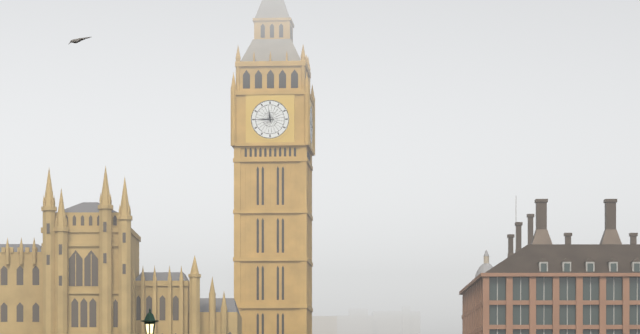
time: **11:45**
